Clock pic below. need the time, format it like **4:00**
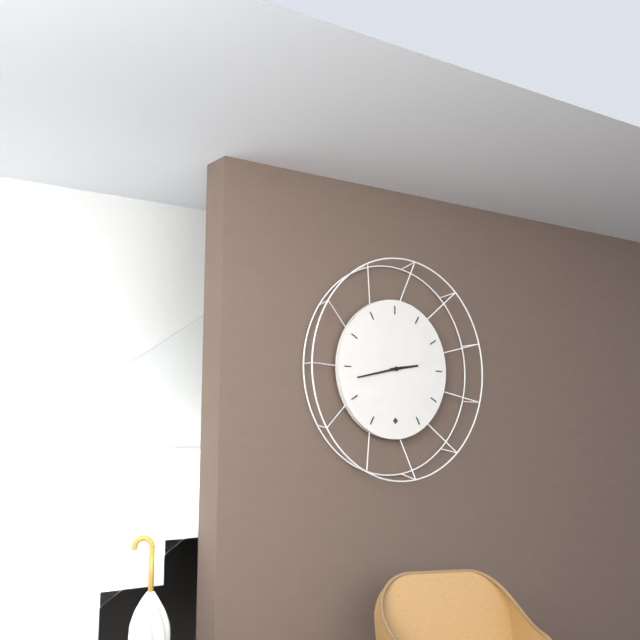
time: **2:43**
